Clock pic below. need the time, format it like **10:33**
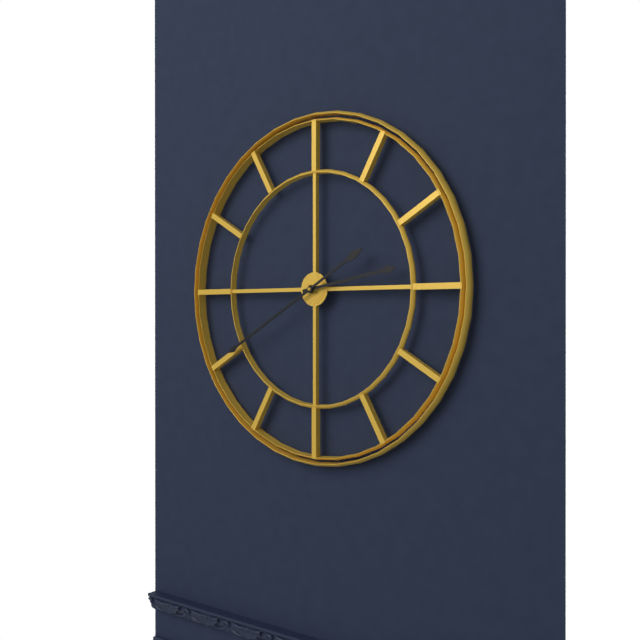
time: **2:40**
